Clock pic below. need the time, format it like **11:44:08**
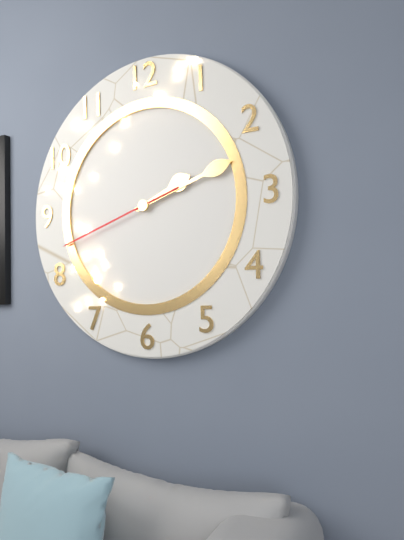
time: **2:12:42**
